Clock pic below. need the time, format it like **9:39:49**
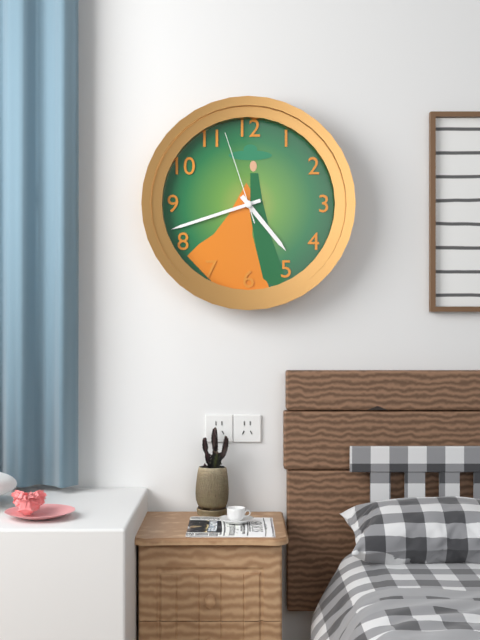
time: **4:42:57**
